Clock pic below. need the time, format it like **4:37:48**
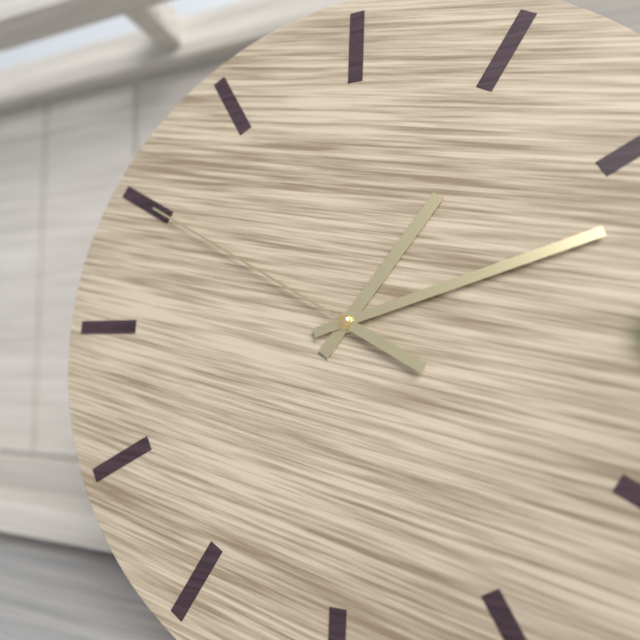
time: **1:12:50**
